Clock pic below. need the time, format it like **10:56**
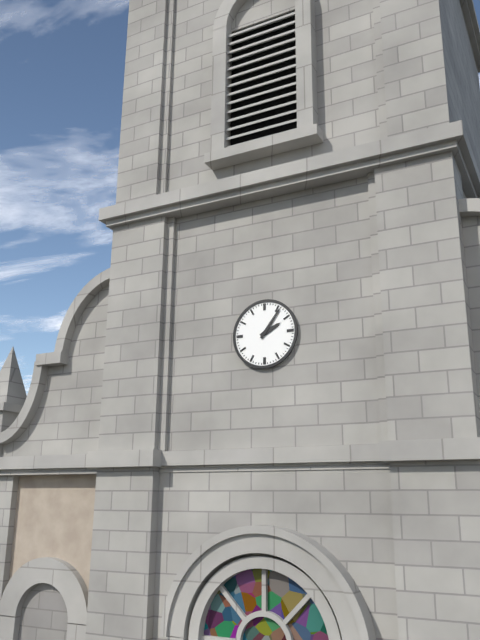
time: **2:06**
